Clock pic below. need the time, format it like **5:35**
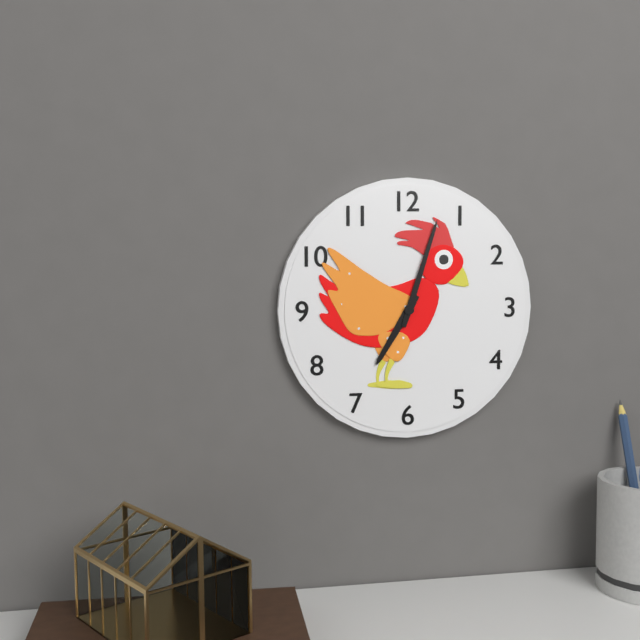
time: **7:03**
